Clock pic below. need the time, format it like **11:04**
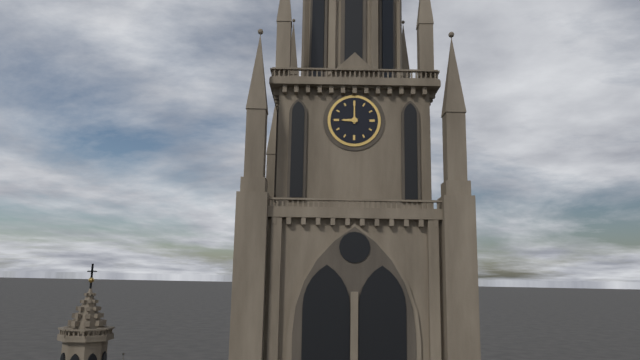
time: **9:00**
